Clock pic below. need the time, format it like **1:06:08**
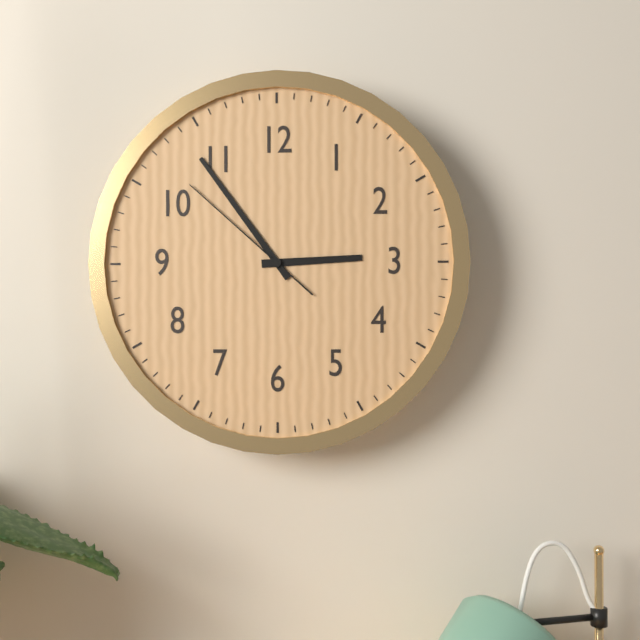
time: **2:54:52**
